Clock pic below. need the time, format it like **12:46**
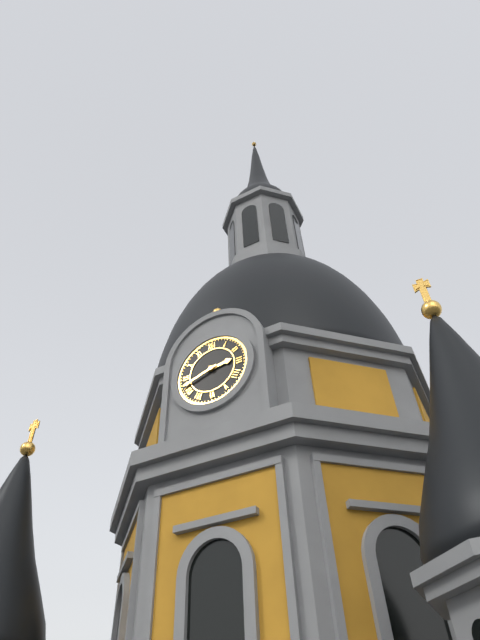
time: **2:42**
